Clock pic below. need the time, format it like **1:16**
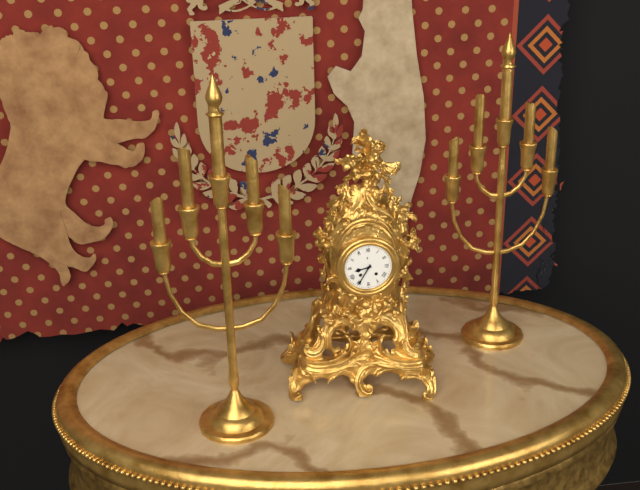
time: **8:35**
